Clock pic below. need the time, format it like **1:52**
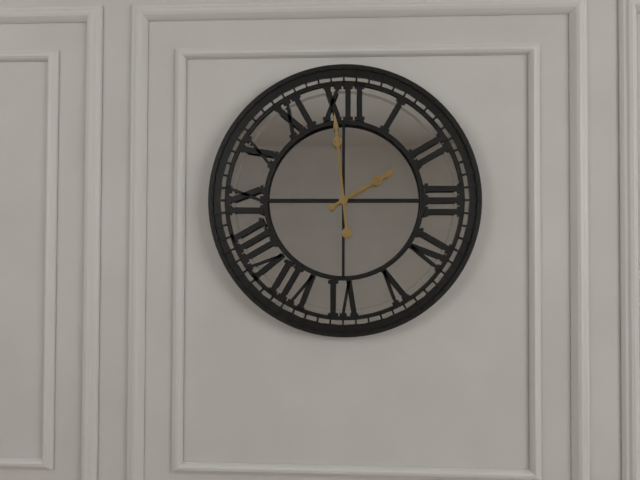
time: **1:59**
